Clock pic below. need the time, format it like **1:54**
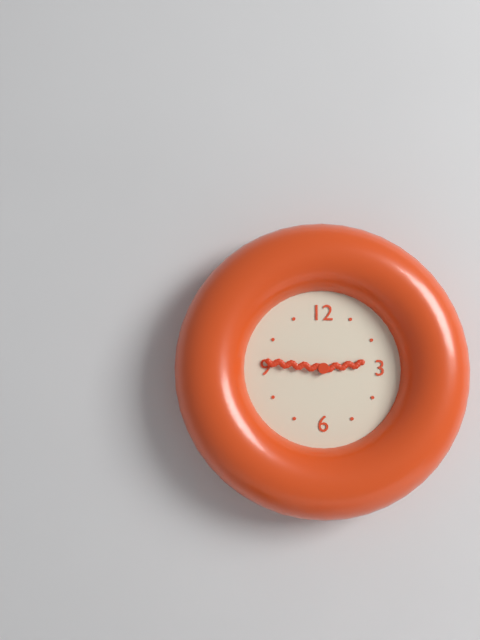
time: **2:46**
